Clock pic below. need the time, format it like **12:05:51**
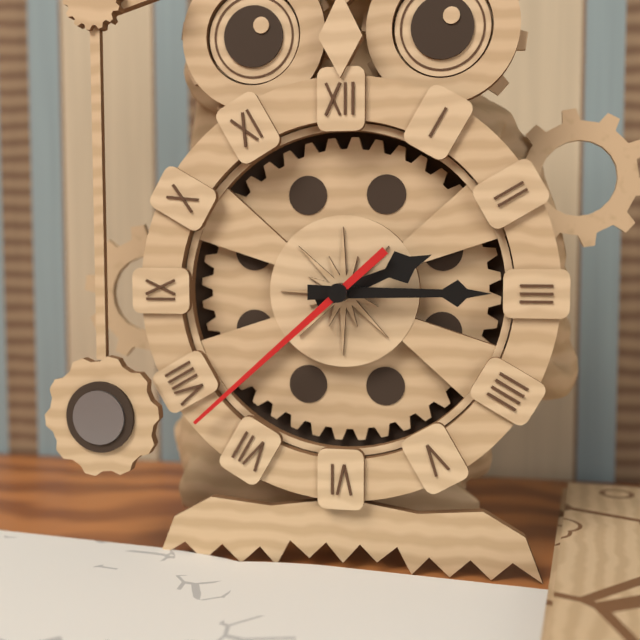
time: **2:15:38**
